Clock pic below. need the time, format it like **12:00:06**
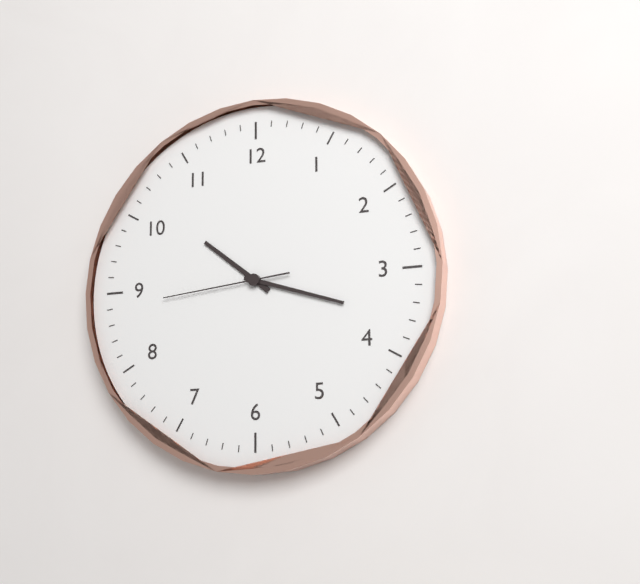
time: **10:18:44**
